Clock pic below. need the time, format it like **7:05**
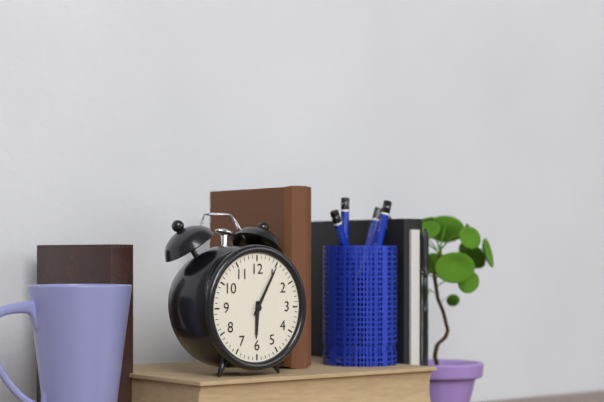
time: **6:05**
